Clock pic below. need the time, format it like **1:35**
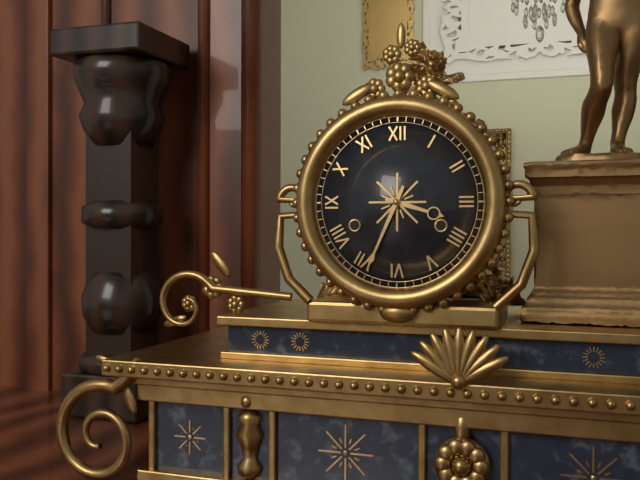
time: **3:34**
